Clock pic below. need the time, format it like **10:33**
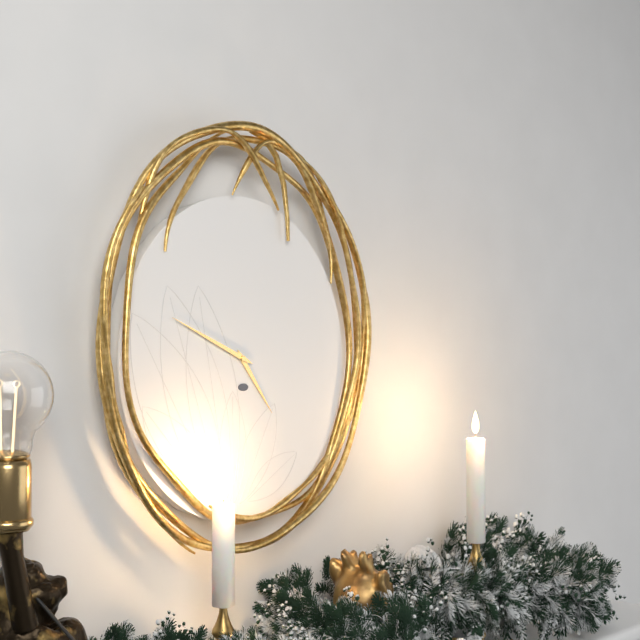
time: **4:49**
